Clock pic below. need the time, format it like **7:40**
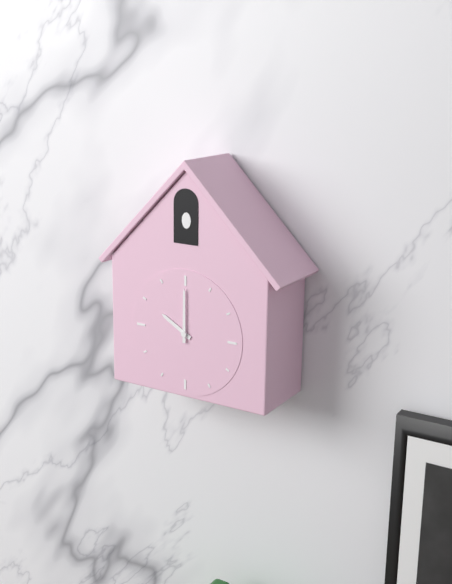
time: **10:00**
